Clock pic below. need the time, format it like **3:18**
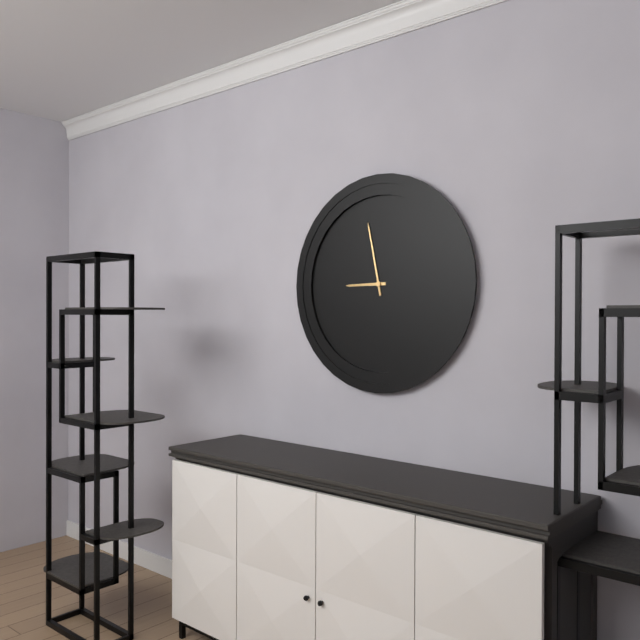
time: **8:58**
